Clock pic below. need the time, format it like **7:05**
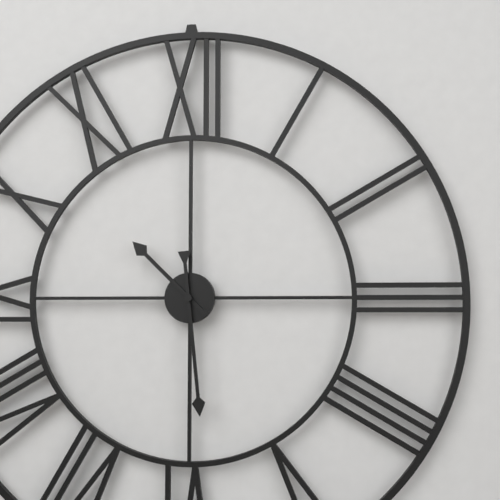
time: **10:29**
